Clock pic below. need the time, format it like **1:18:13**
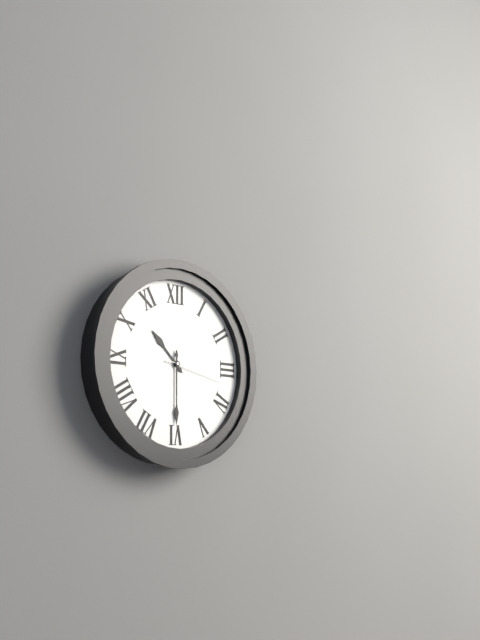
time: **10:30:17**
